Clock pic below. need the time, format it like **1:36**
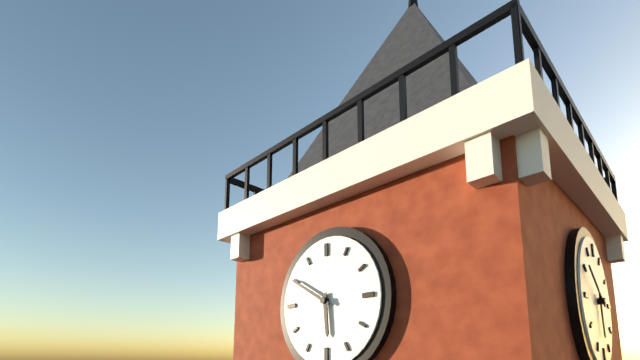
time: **5:50**
